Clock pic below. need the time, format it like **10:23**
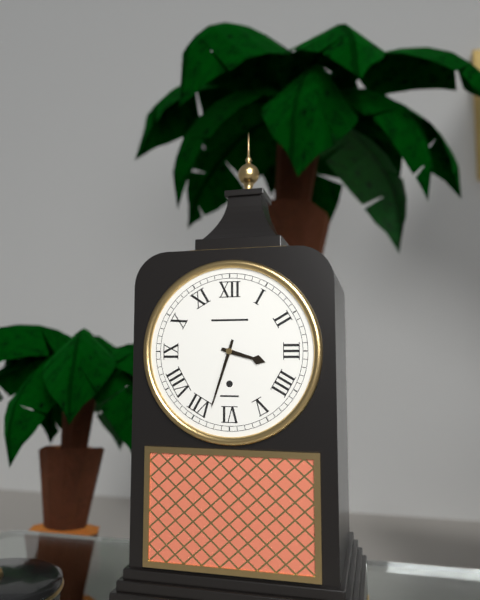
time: **3:33**
